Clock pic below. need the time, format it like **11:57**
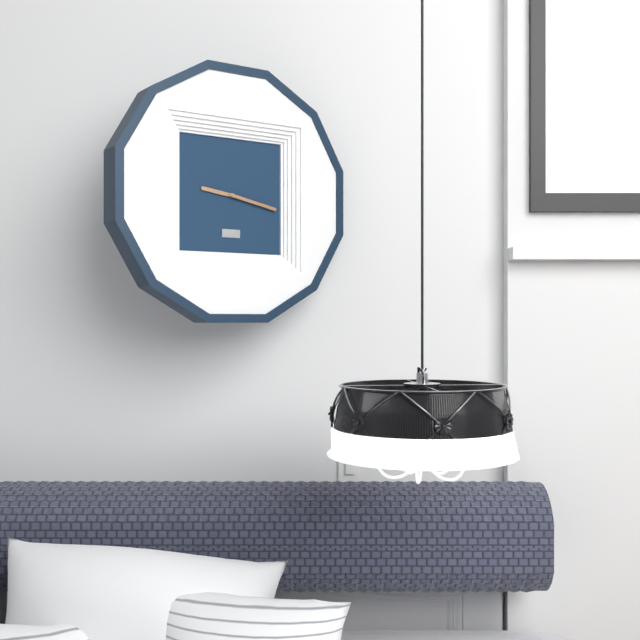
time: **9:17**
